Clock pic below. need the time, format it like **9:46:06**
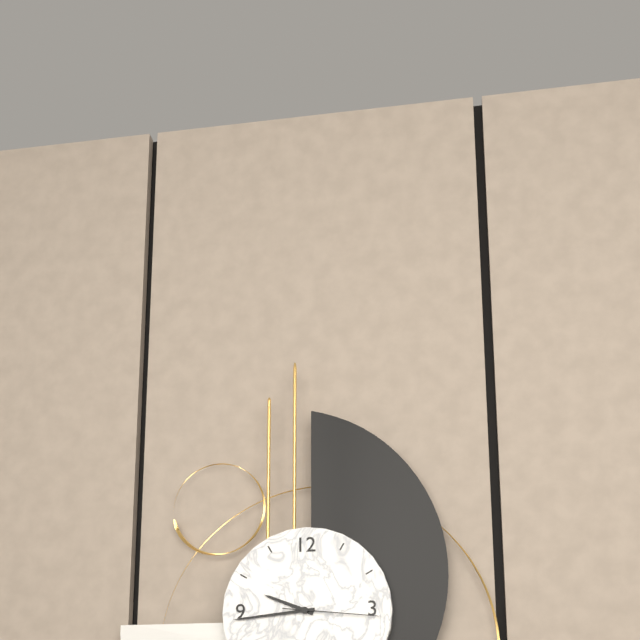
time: **9:44:16**
